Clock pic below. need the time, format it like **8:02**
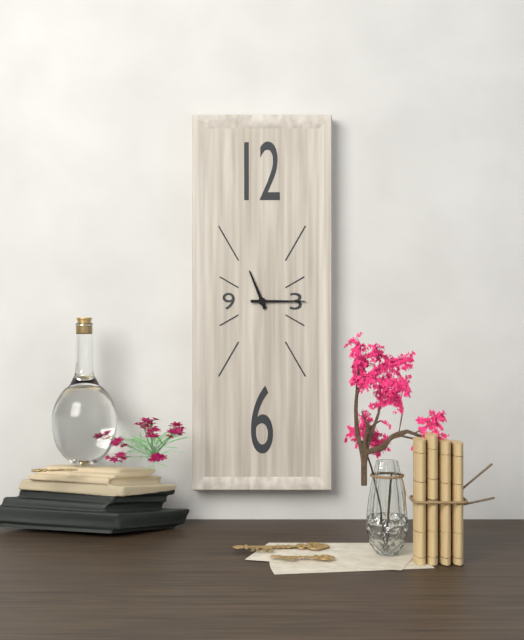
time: **11:15**
